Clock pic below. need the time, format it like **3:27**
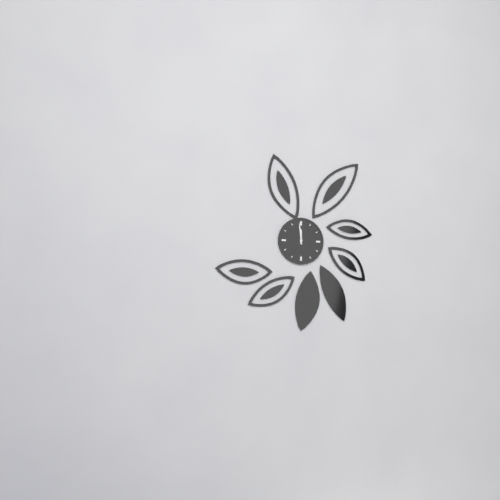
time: **11:59**
